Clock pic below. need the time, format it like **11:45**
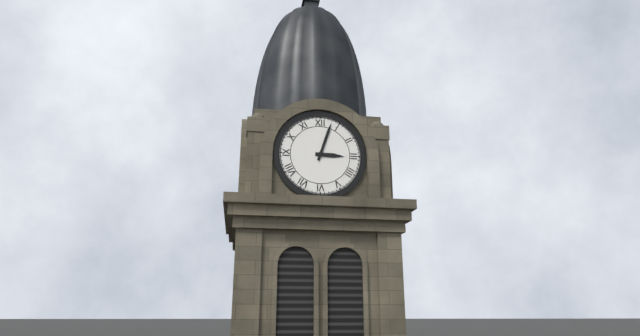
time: **3:03**
